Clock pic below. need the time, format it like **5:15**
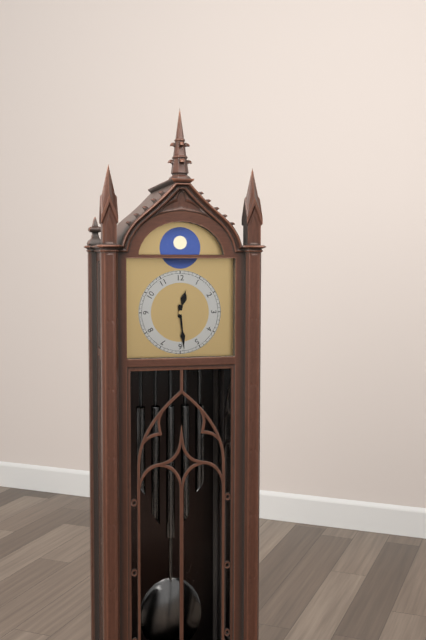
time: **12:29**
